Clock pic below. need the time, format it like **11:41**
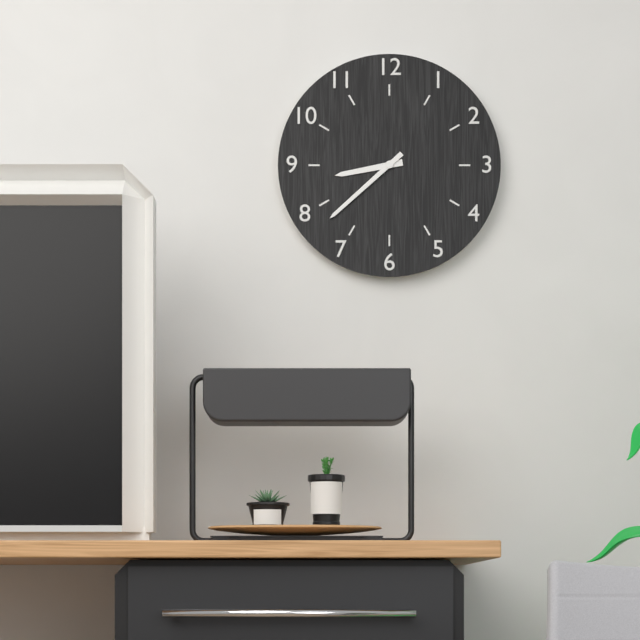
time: **8:38**
